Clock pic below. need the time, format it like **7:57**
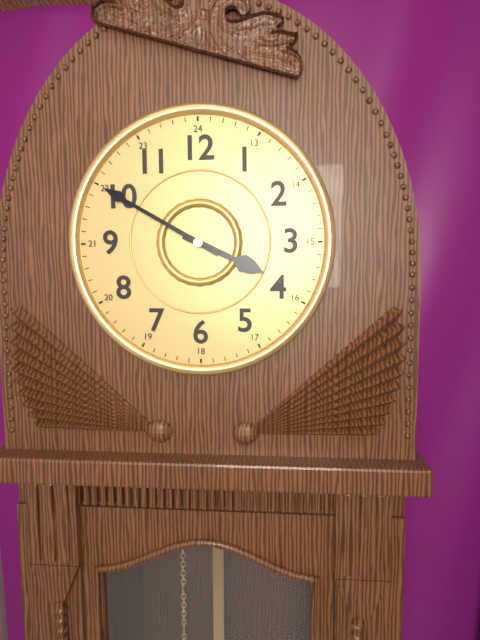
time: **3:50**
